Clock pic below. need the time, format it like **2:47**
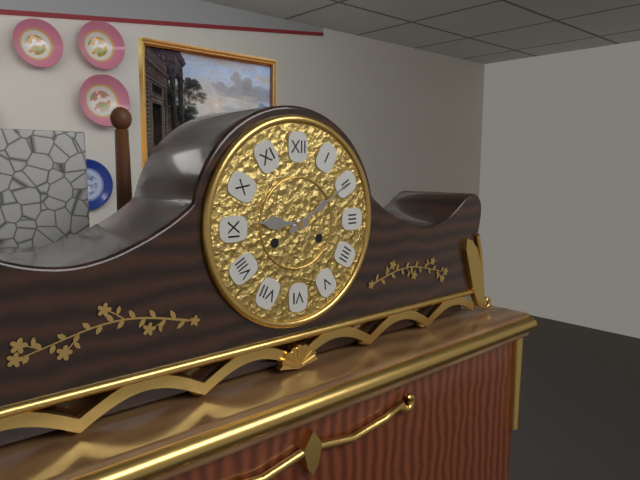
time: **9:10**
